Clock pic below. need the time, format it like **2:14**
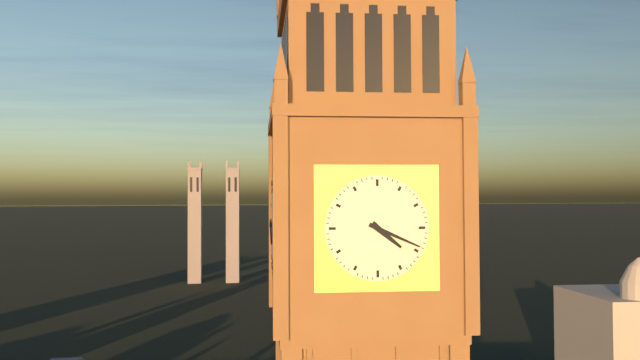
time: **4:19**
